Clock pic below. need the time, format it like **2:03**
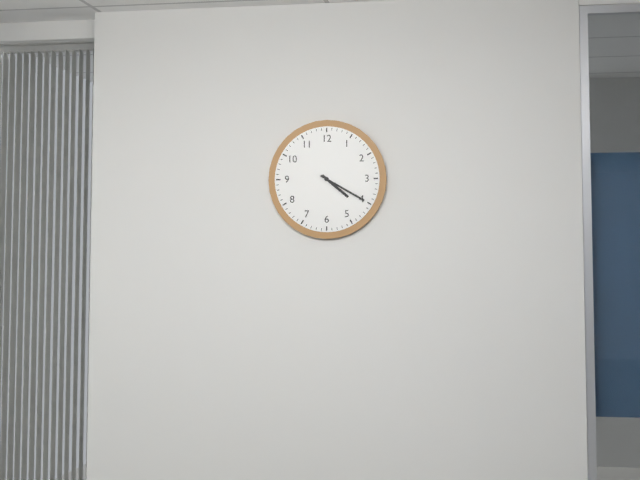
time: **4:20**
